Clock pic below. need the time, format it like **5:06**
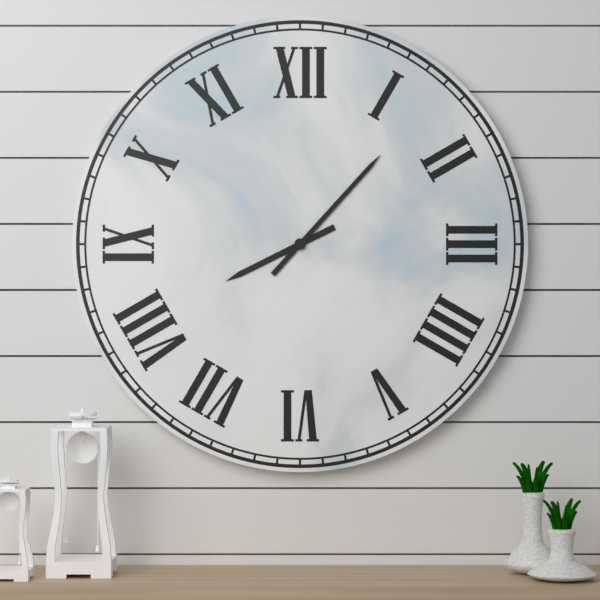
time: **8:07**
